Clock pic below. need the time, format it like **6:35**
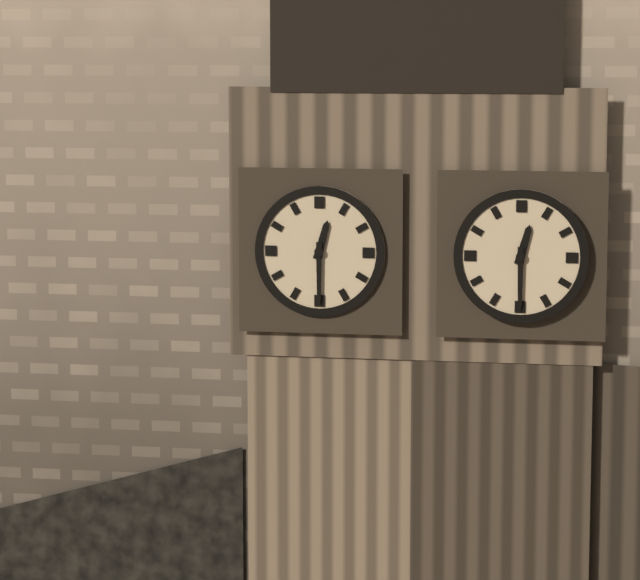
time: **12:30**
